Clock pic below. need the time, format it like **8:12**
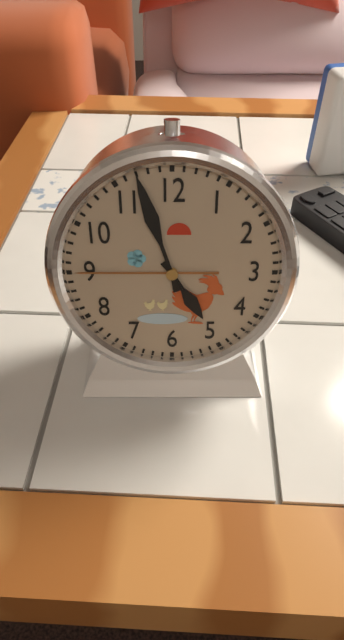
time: **4:57**
